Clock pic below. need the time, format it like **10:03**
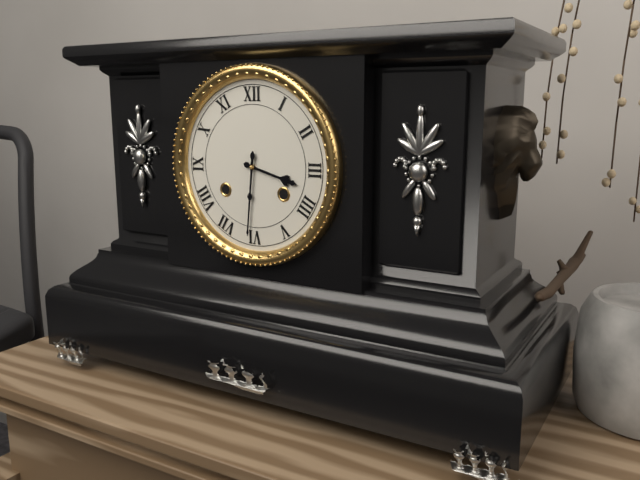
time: **3:31**
